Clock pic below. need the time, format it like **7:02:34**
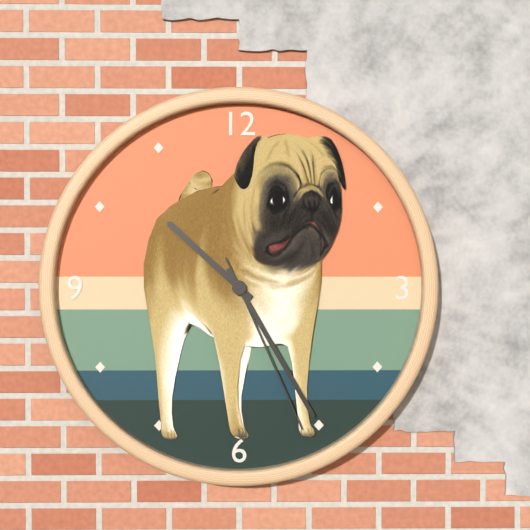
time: **10:25:26**
